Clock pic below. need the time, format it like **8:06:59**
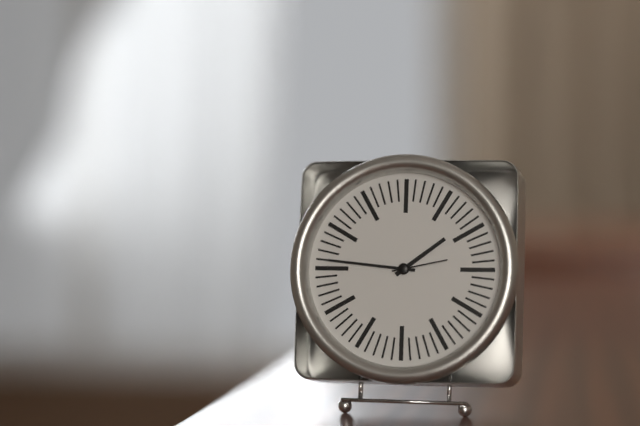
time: **1:46:13**
